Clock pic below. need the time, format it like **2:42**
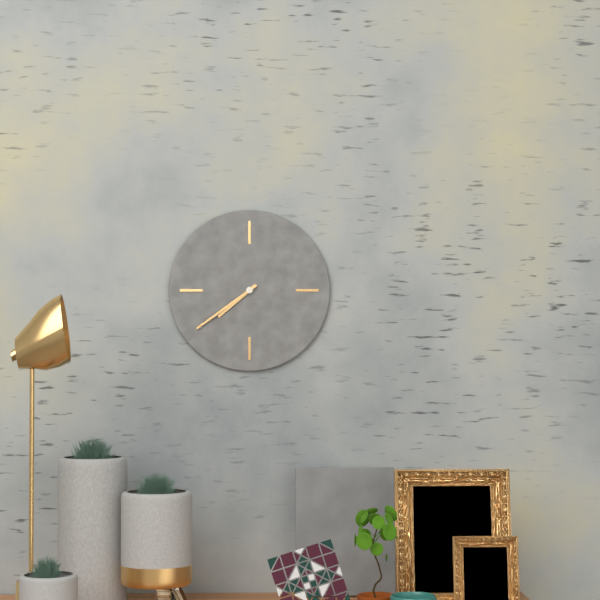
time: **7:39**
